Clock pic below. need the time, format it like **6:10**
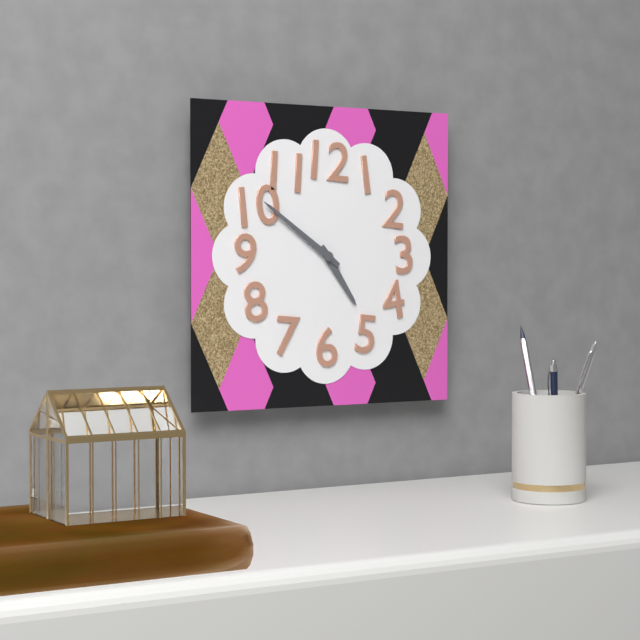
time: **4:51**
